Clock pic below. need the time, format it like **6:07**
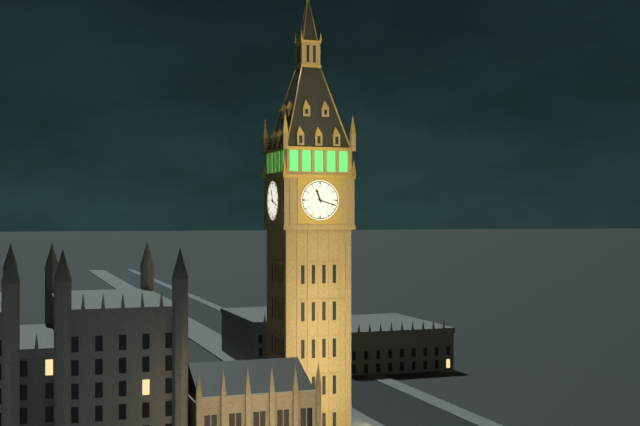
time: **11:18**
